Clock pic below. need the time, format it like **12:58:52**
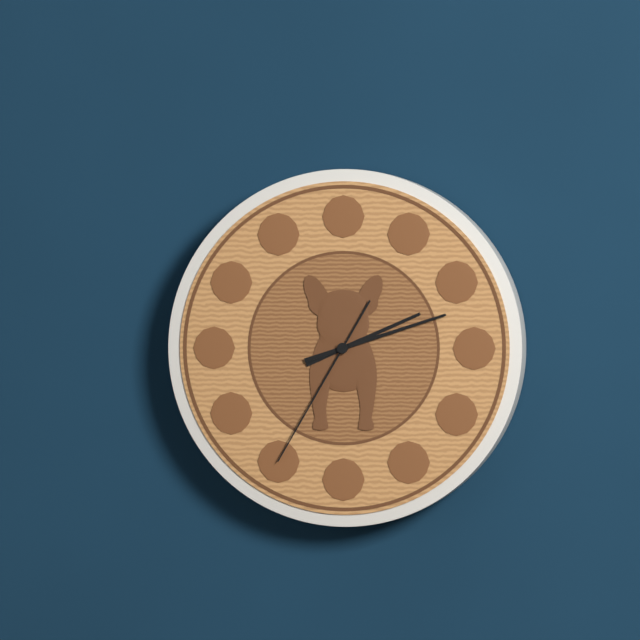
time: **2:12:35**
